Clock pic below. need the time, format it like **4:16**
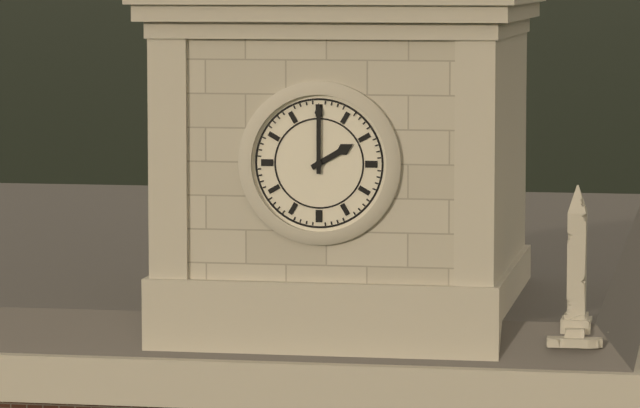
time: **2:00**
